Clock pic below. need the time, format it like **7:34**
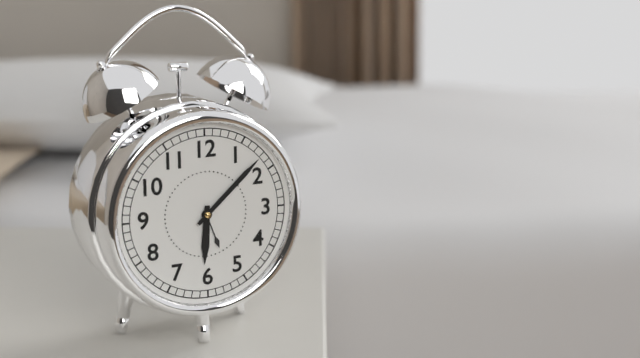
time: **6:08**
